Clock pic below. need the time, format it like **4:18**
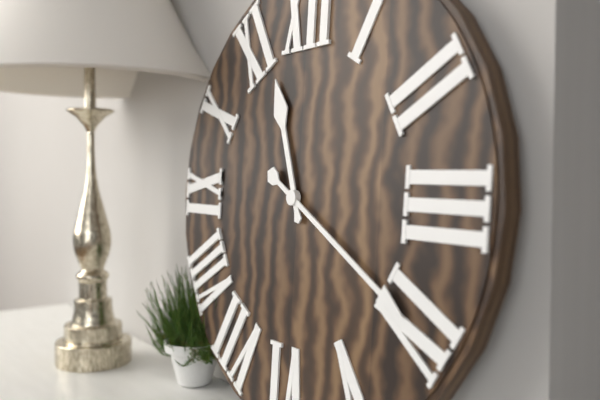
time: **11:20**
